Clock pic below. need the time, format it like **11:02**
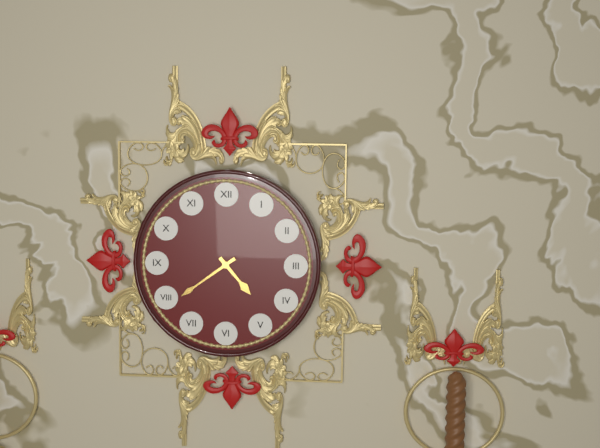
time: **4:39**
